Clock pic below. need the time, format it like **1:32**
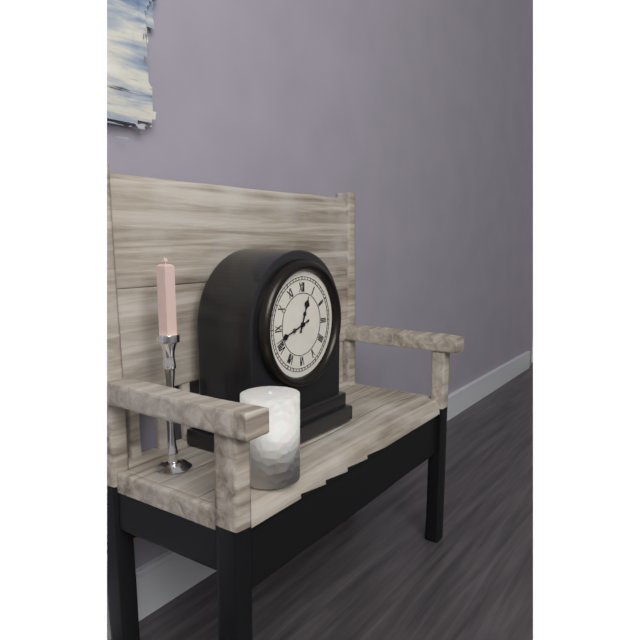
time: **12:42**
